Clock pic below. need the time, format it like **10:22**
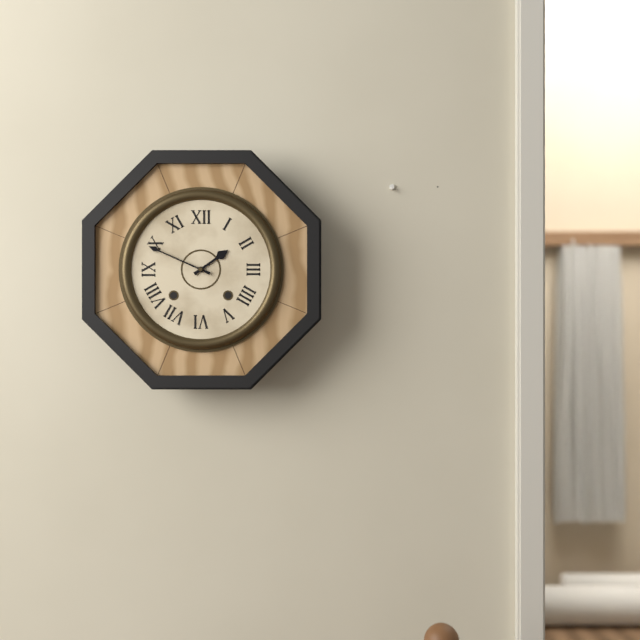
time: **1:49**
